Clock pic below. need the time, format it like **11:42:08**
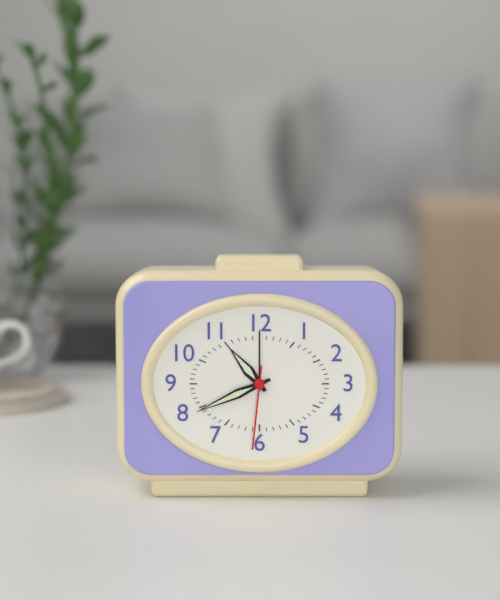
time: **10:41:31**
